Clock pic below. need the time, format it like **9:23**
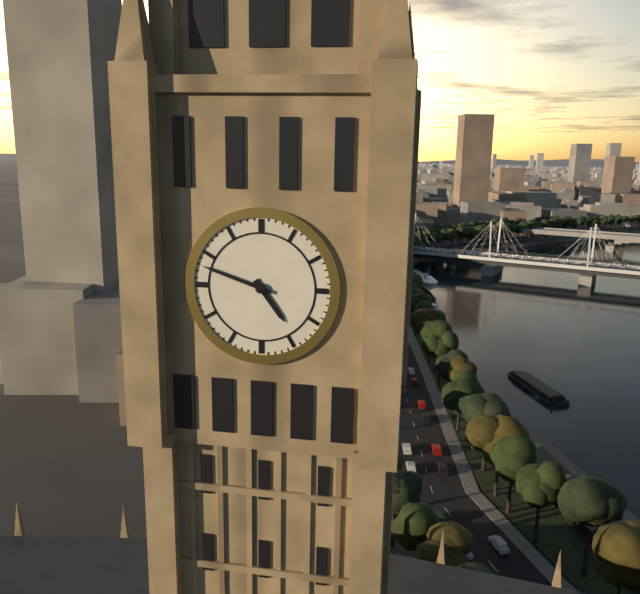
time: **4:48**
